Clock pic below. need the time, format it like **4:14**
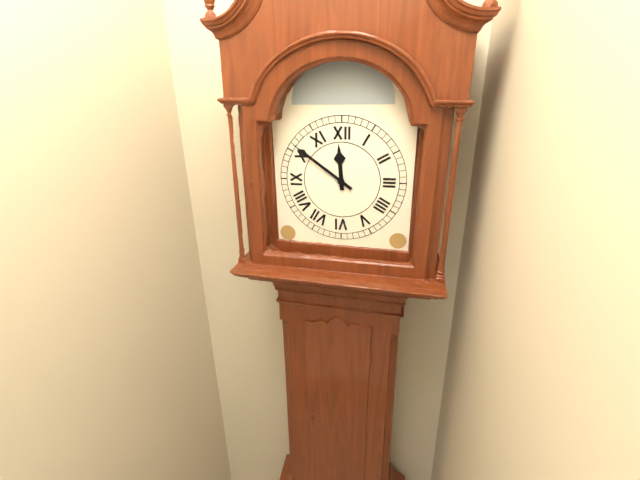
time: **11:51**
